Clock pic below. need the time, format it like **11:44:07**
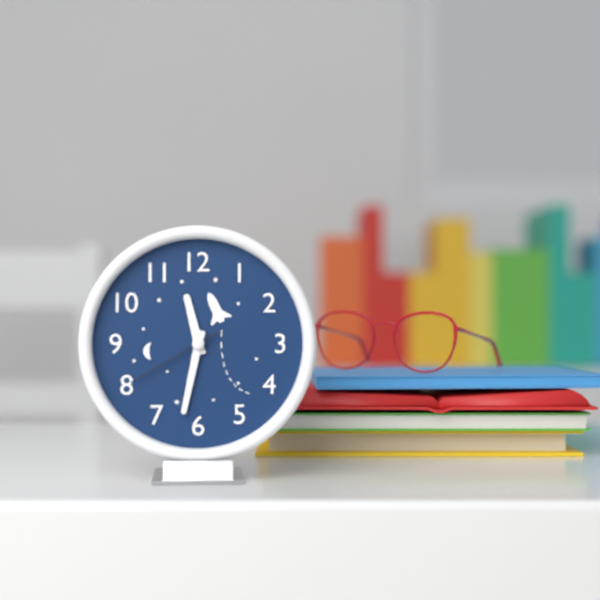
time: **11:32:40**
